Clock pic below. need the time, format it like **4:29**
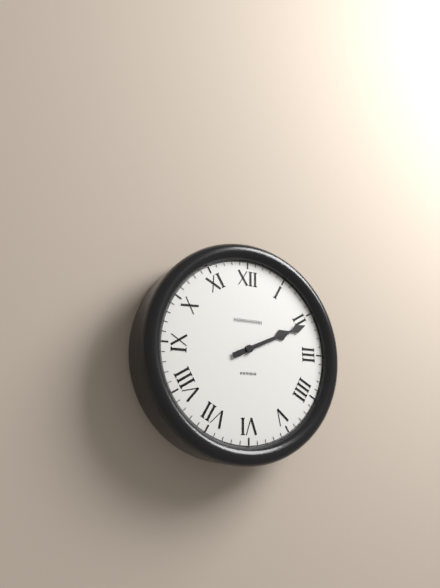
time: **2:11**
